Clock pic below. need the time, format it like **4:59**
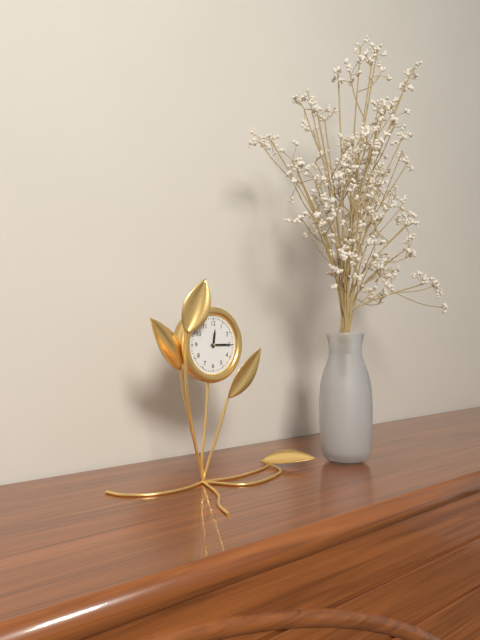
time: **12:15**
